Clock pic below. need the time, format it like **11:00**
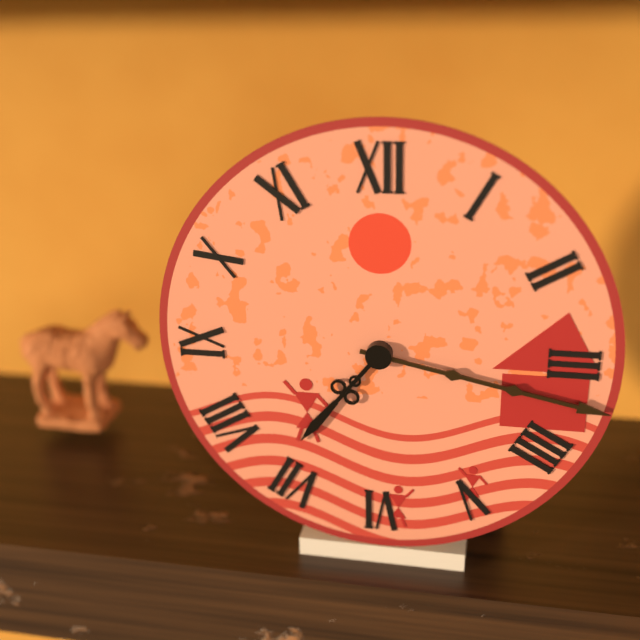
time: **7:17**
